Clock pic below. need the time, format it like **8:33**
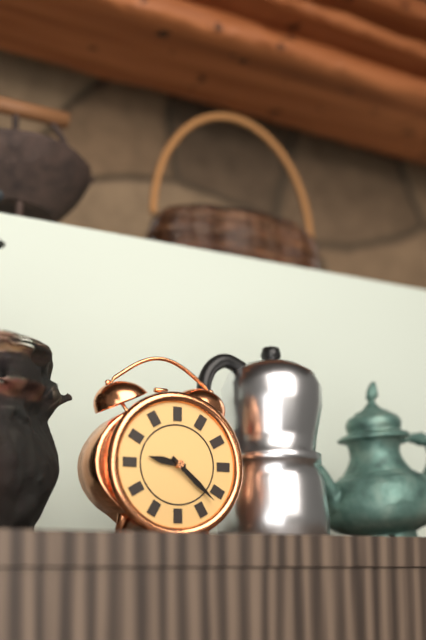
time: **9:22**
